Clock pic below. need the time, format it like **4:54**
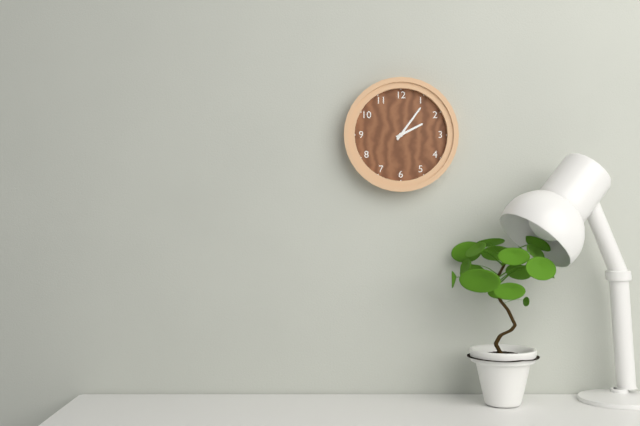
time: **2:06**
